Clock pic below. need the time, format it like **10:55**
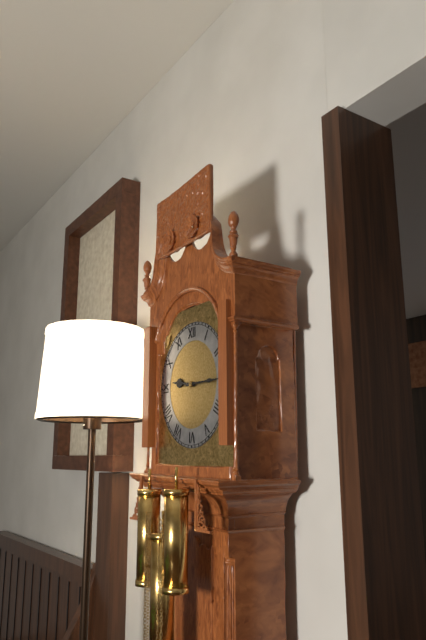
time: **9:15**
